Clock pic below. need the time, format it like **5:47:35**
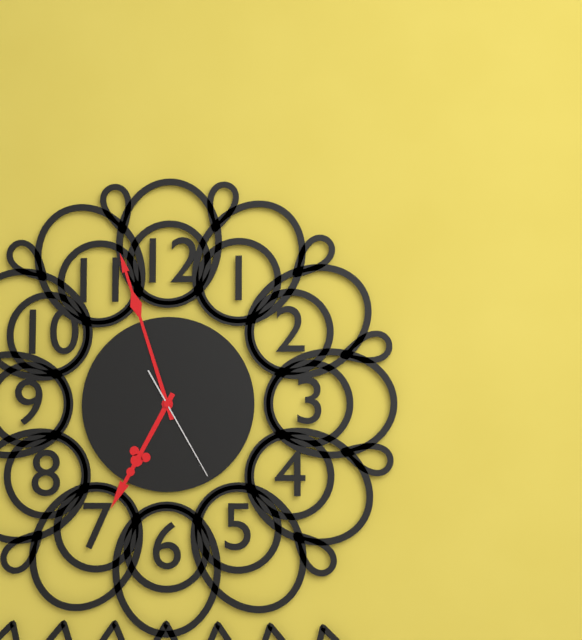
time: **6:57:25**
